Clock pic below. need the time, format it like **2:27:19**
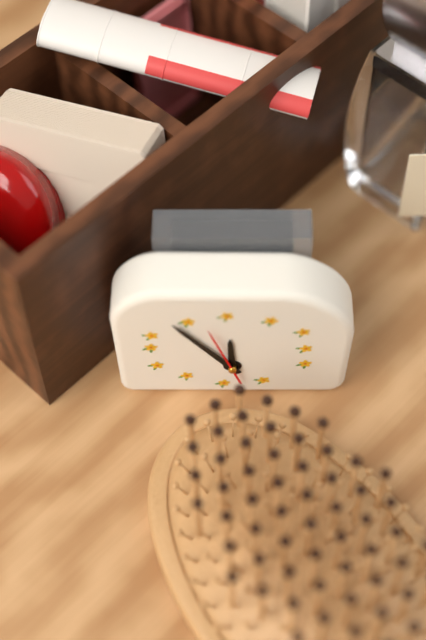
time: **11:54:57**
